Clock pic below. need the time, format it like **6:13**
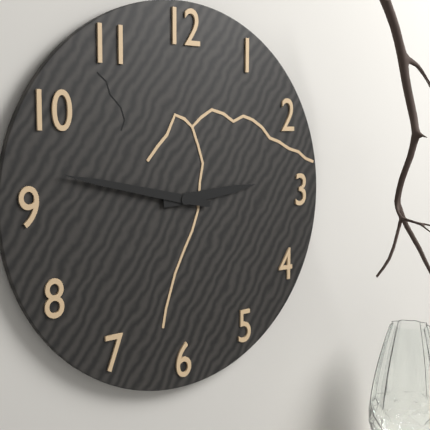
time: **2:47**
